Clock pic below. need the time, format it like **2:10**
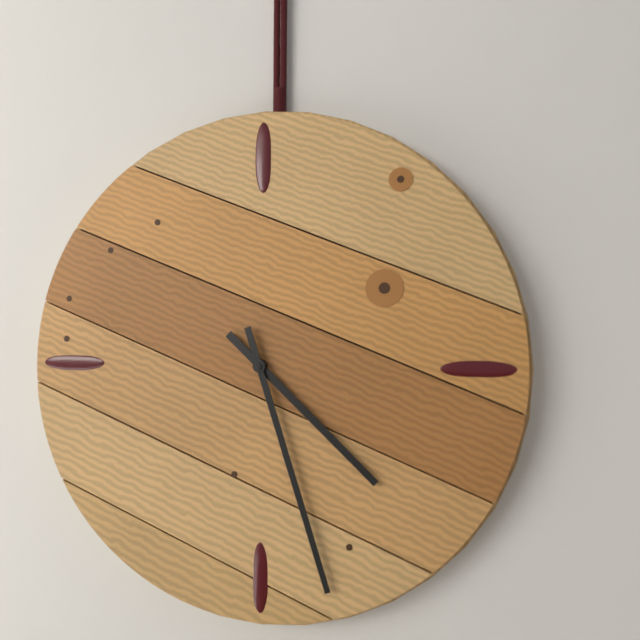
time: **4:27**
